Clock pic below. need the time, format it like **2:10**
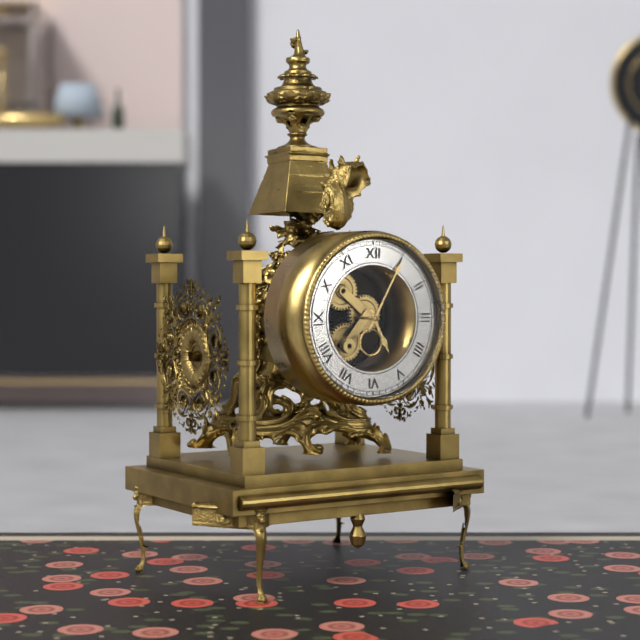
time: **5:05**
